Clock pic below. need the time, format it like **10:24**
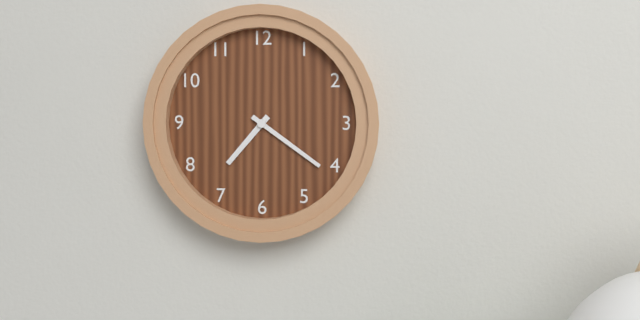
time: **7:21**
